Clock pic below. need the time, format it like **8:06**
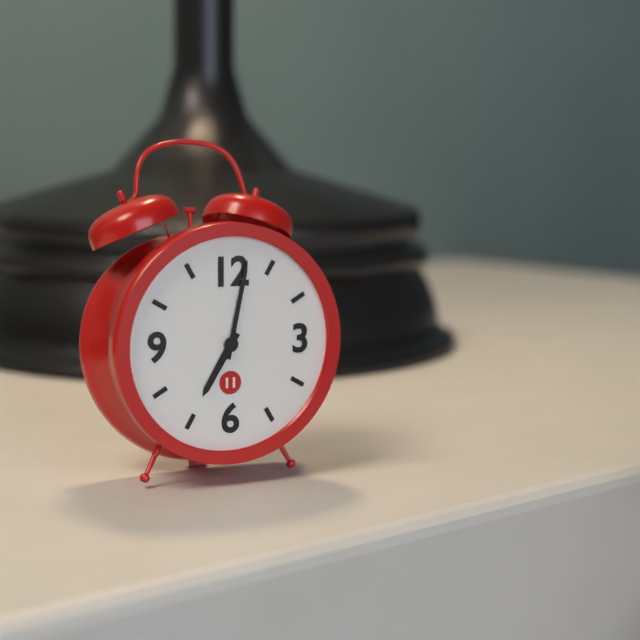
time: **7:02**
